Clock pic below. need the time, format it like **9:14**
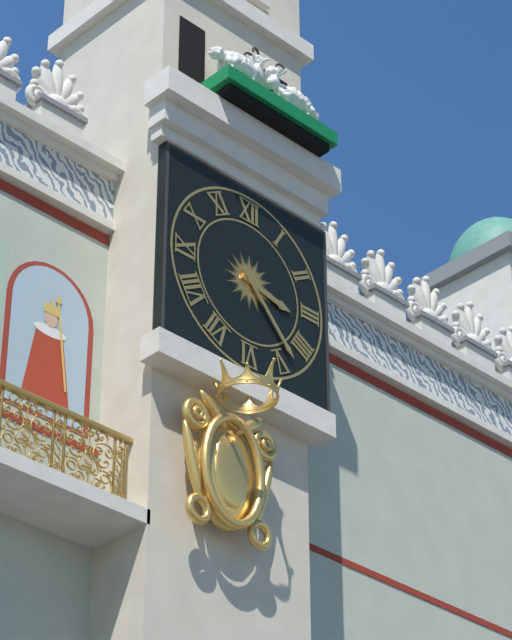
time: **3:23**
